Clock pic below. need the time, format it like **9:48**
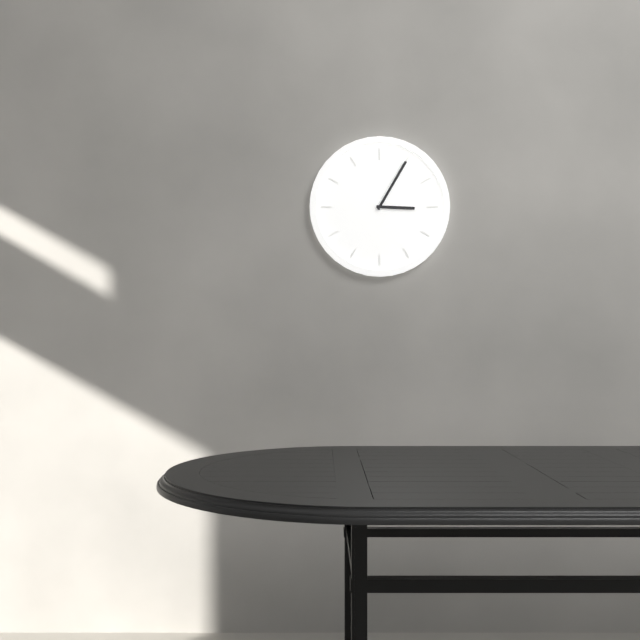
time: **3:05**
